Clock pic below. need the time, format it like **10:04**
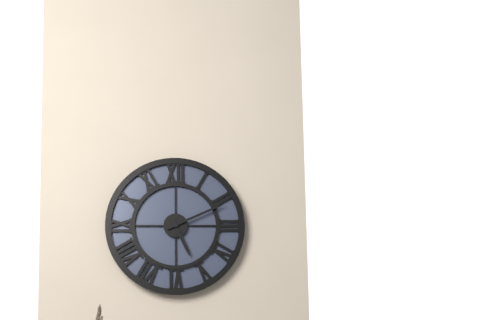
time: **5:11**
